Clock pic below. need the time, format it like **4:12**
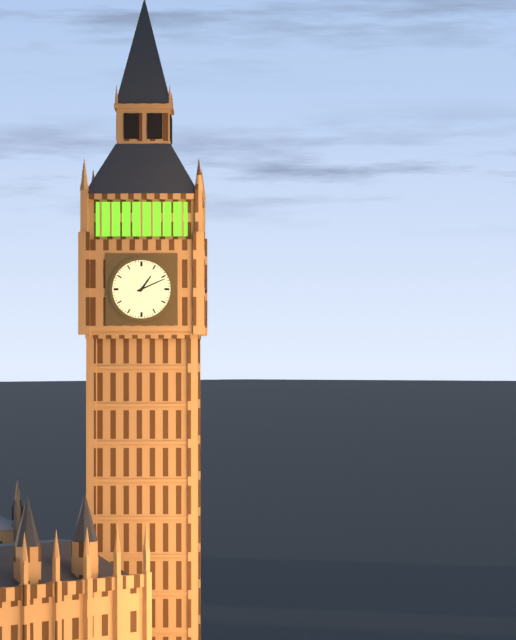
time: **1:11**
